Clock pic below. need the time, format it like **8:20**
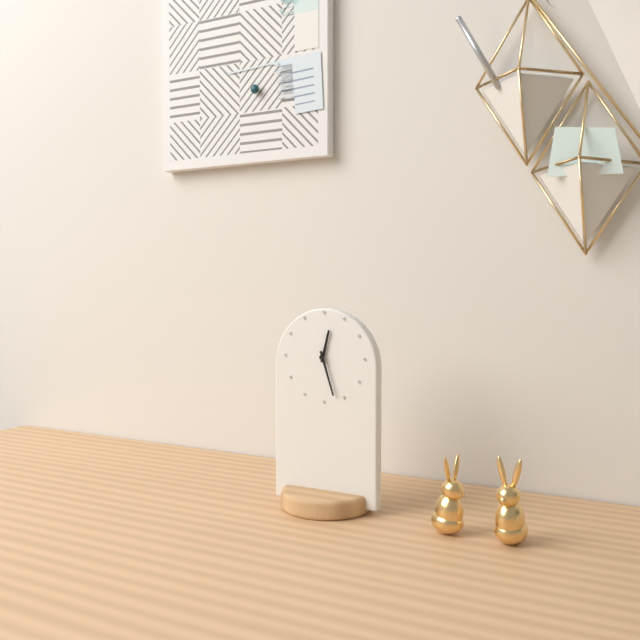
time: **12:27**
